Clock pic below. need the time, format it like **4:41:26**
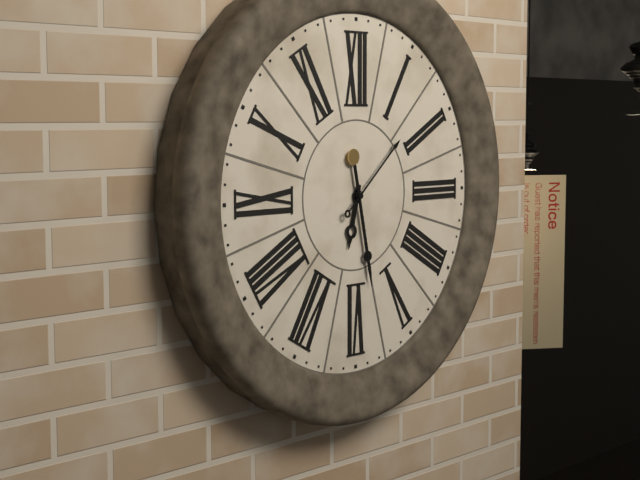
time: **6:28:08**
